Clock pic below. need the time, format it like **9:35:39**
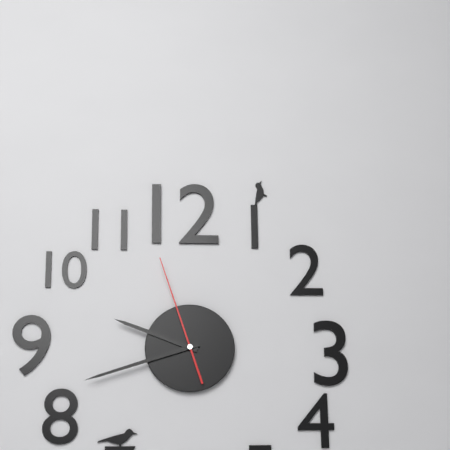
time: **9:42:57**
